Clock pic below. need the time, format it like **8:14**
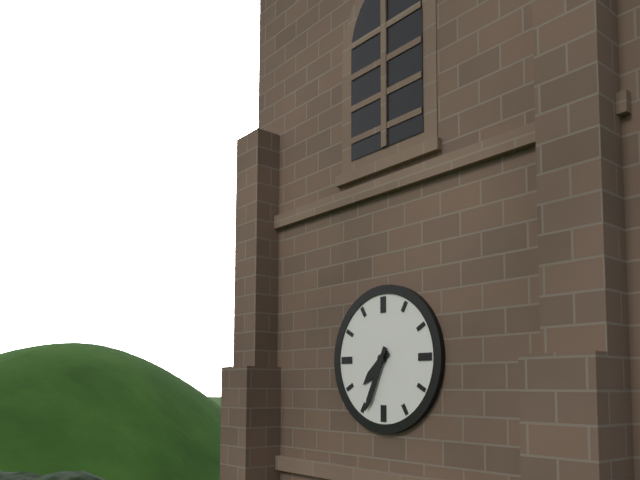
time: **7:34**
